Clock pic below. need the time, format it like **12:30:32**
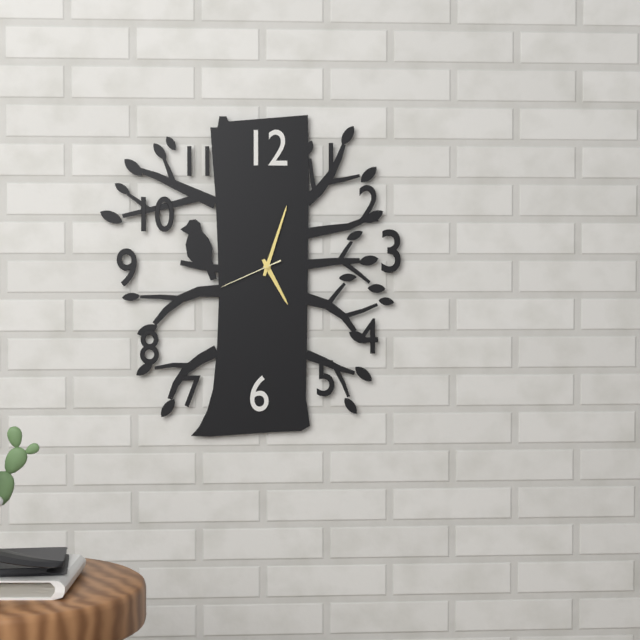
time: **5:03:41**
